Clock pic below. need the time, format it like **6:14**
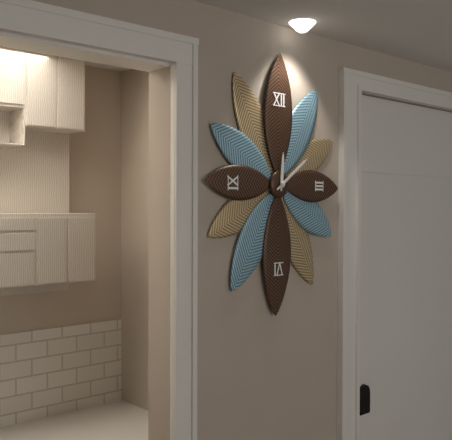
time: **12:09**
